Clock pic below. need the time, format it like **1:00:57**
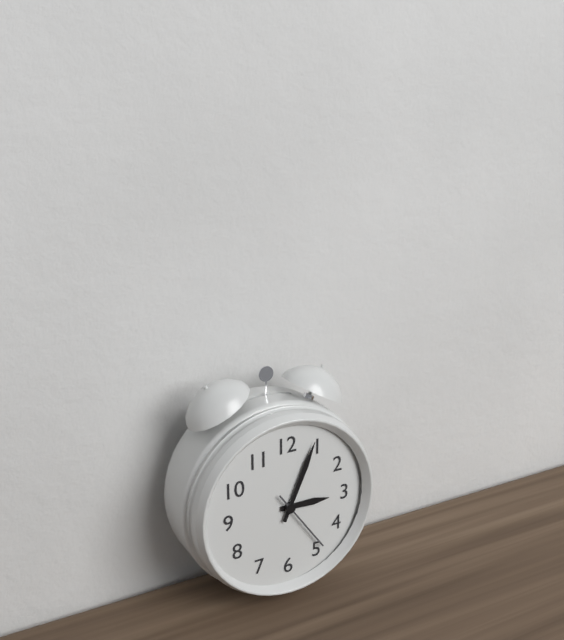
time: **3:04:24**
